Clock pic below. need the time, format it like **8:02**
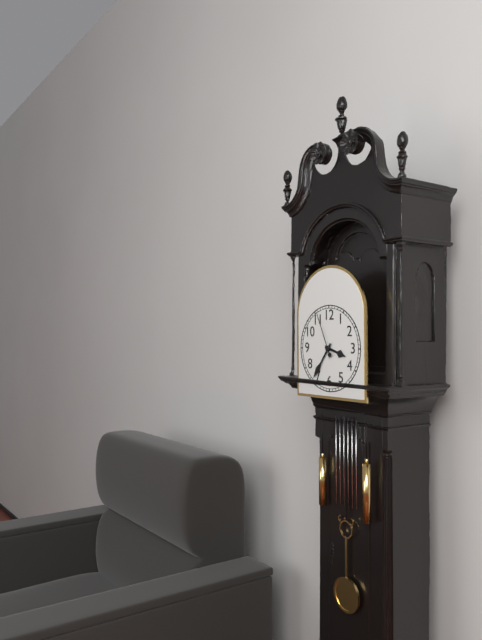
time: **3:36**
